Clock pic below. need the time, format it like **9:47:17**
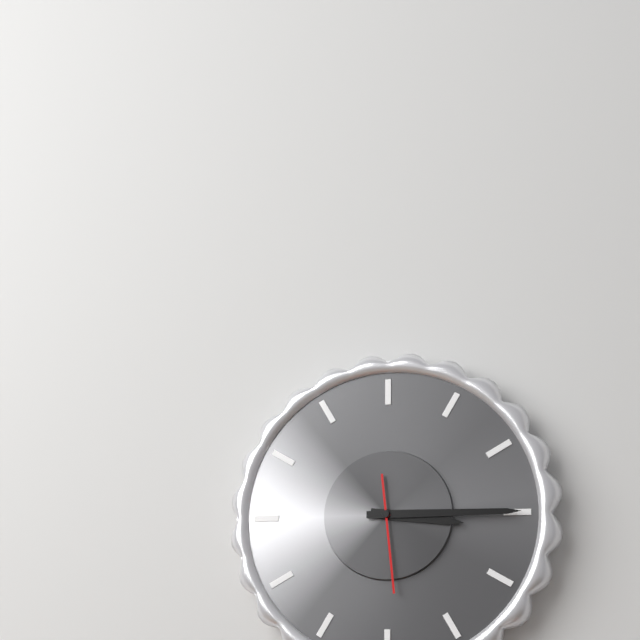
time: **3:15:29**
